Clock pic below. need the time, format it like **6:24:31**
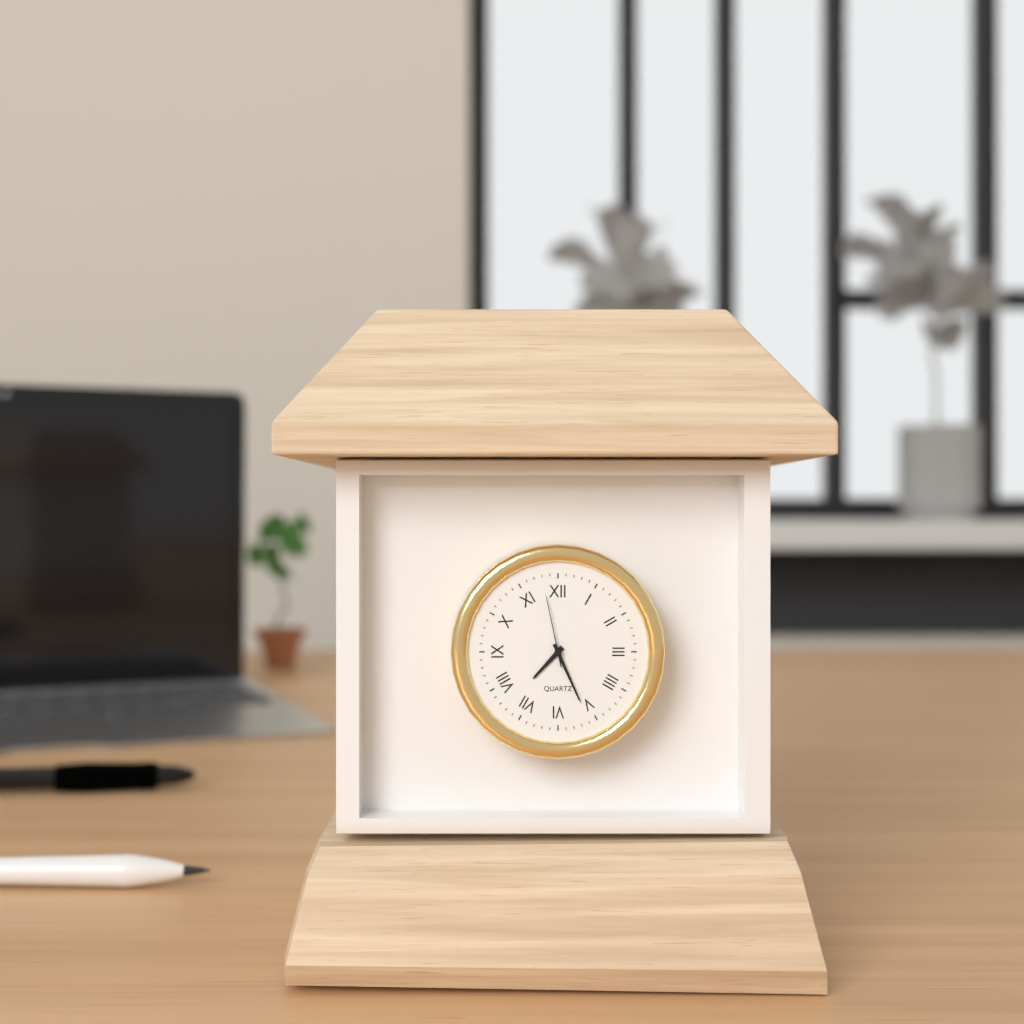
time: **7:26:58**
